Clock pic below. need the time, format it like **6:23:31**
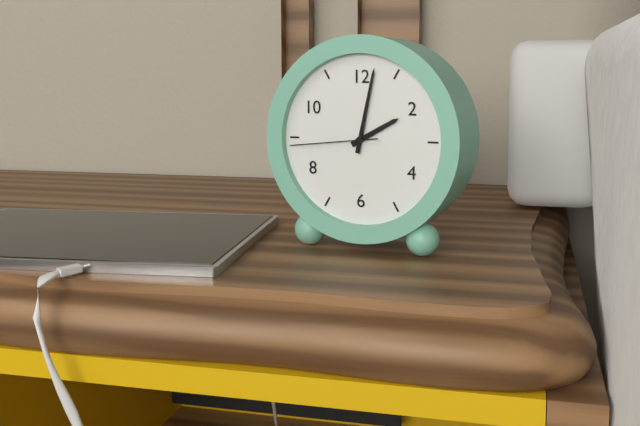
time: **2:02:44**
